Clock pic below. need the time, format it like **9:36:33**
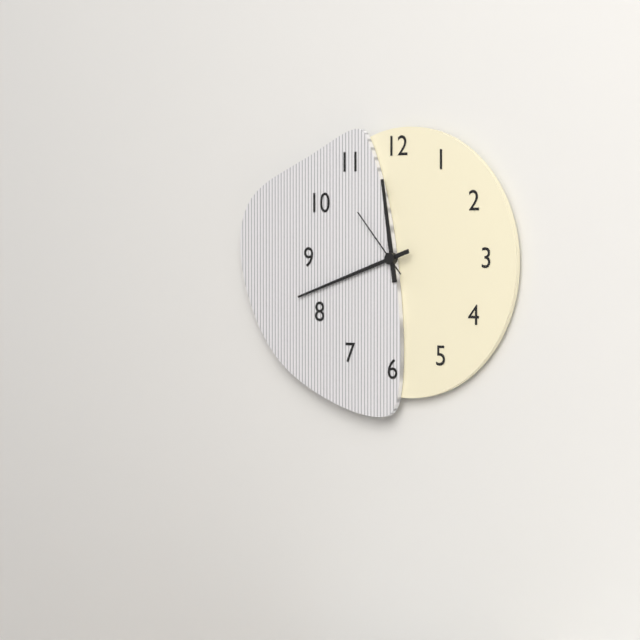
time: **11:42:53**
